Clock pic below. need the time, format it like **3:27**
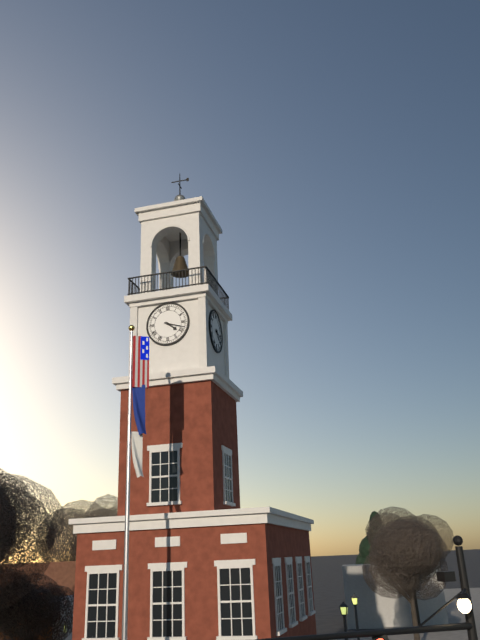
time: **4:18**
